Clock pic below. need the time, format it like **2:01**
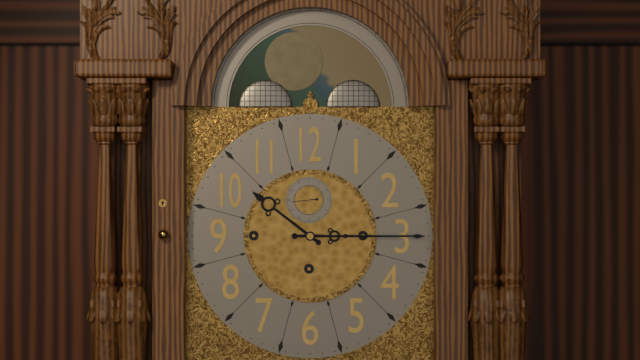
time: **10:15**
